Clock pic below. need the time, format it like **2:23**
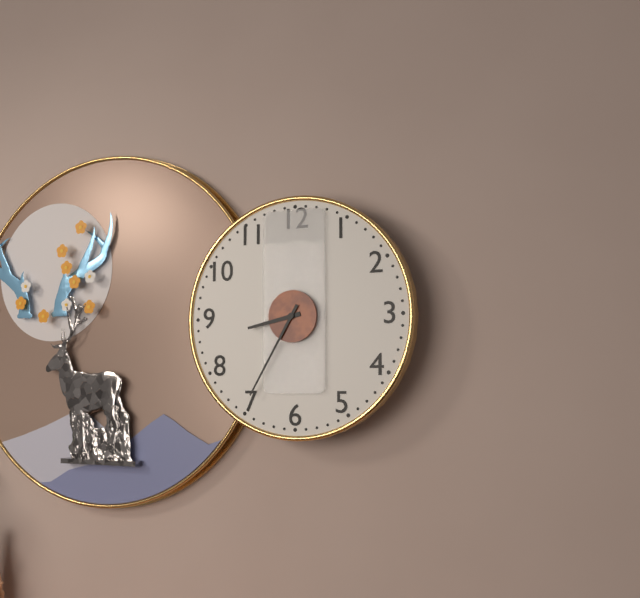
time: **8:35**
